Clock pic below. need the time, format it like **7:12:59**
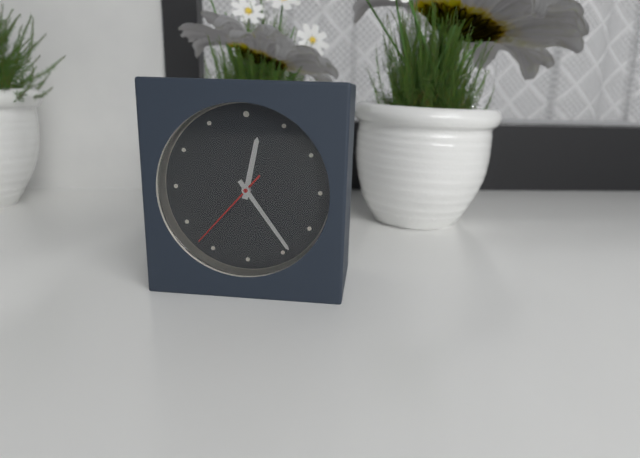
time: **12:24:37**
